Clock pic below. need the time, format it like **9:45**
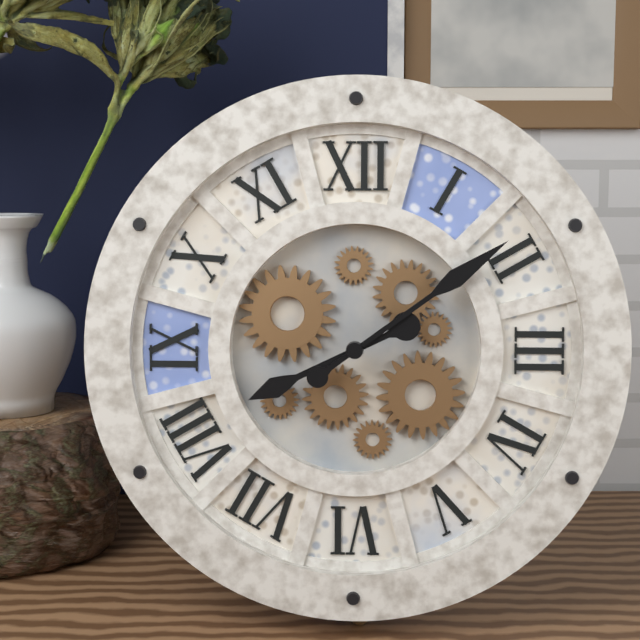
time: **8:09**
